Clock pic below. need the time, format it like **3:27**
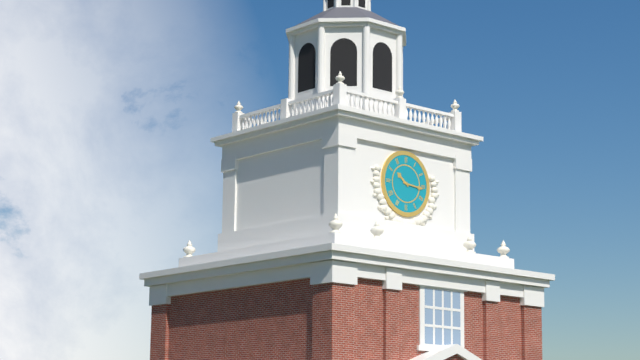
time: **10:16**
